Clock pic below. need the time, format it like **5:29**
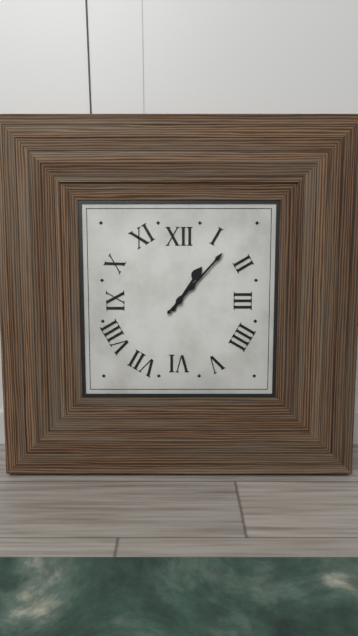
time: **1:07**
